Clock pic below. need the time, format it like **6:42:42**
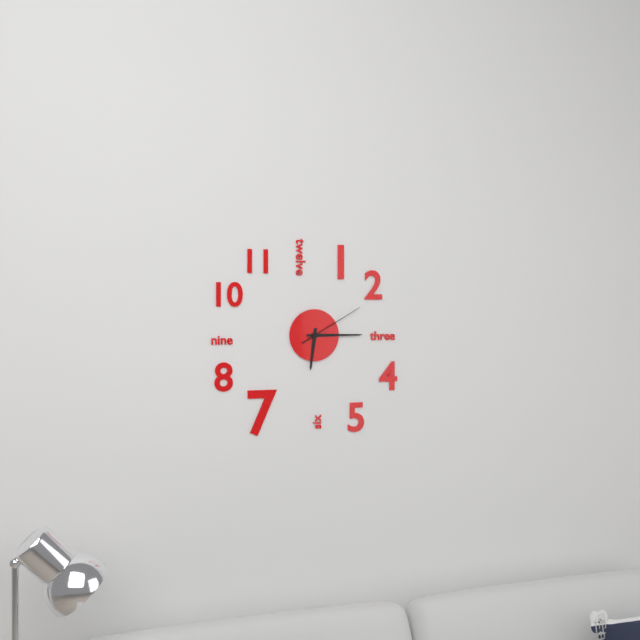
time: **6:15:10**
